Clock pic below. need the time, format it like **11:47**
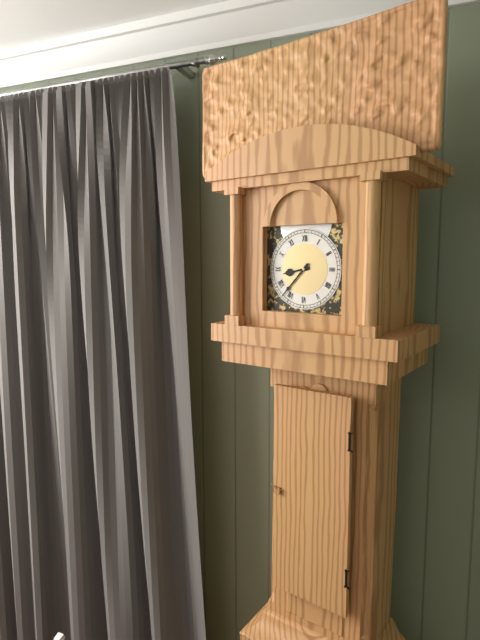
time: **8:37**
